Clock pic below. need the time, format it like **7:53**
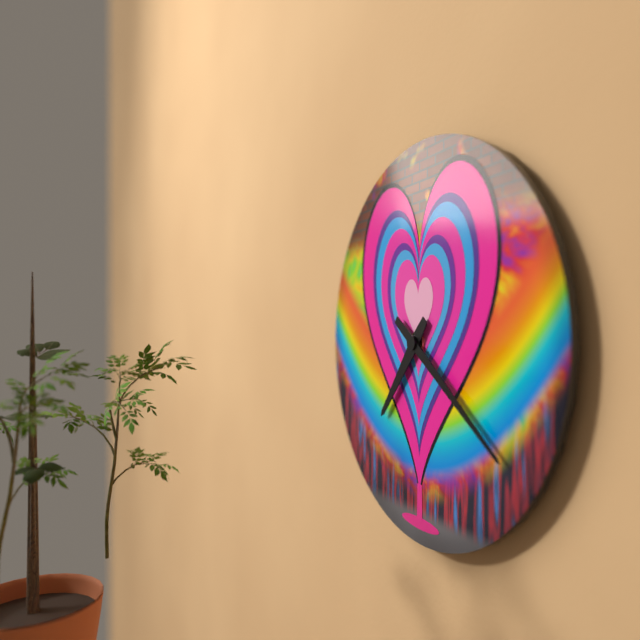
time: **7:21**
